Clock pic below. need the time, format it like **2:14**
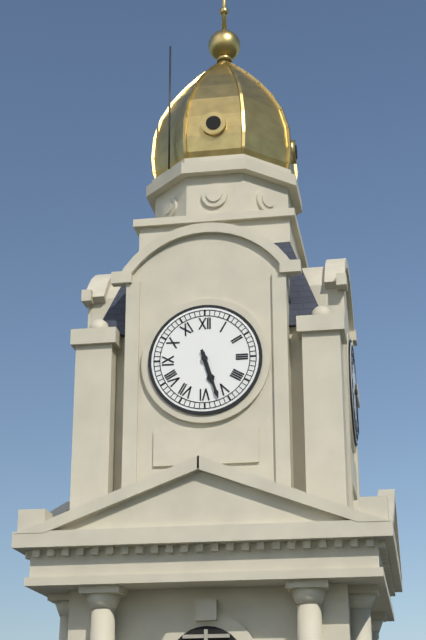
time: **5:27**
